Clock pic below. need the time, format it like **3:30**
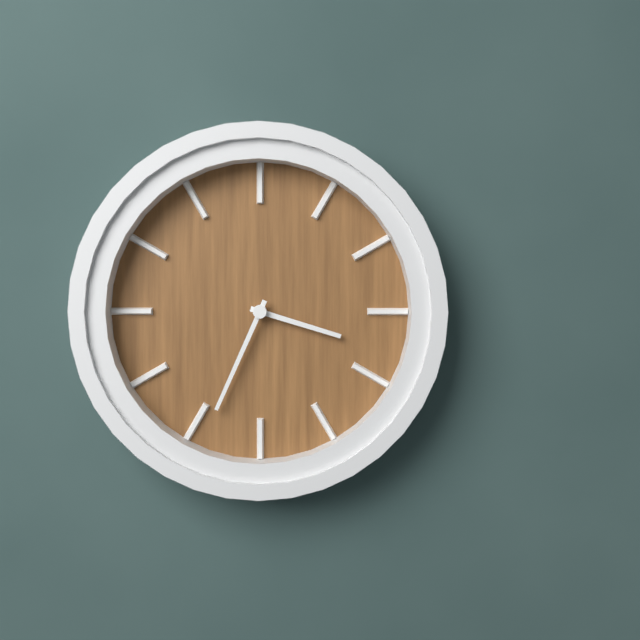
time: **3:34**
